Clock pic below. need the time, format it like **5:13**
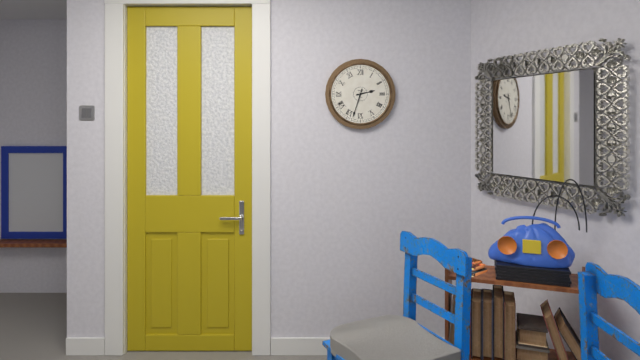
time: **2:33**
